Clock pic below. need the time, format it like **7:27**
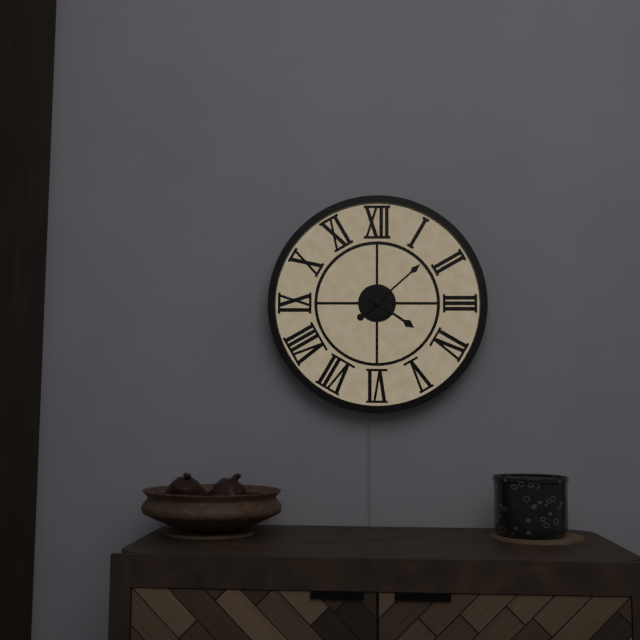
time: **4:08**
